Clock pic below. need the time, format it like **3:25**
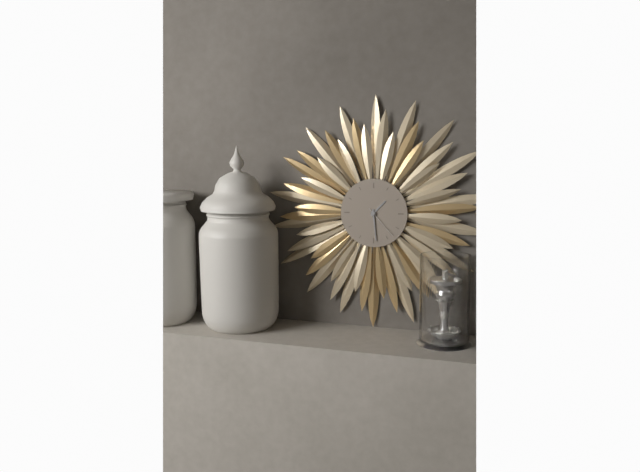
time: **1:29**
